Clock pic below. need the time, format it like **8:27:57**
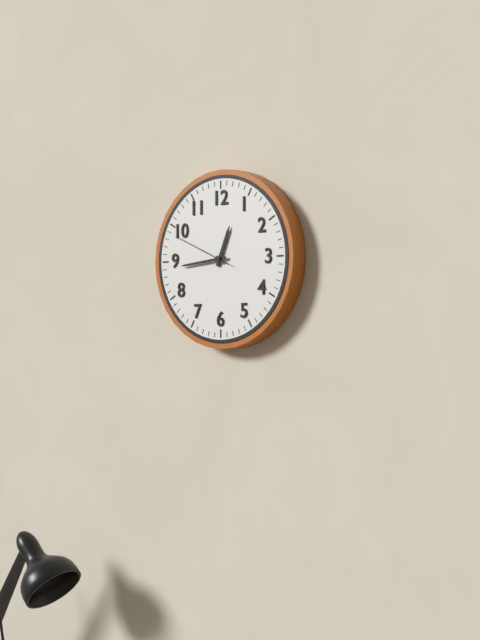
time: **12:44:49**
